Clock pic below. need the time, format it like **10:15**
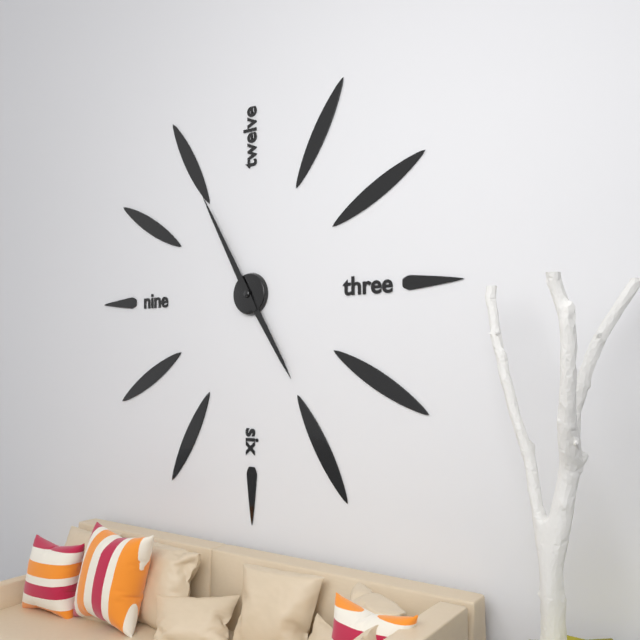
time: **4:55**
